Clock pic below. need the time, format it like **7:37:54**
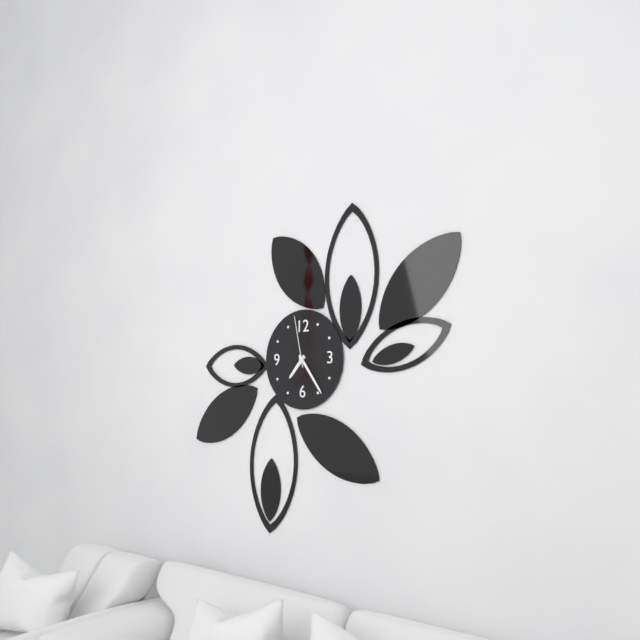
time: **7:24:58**
